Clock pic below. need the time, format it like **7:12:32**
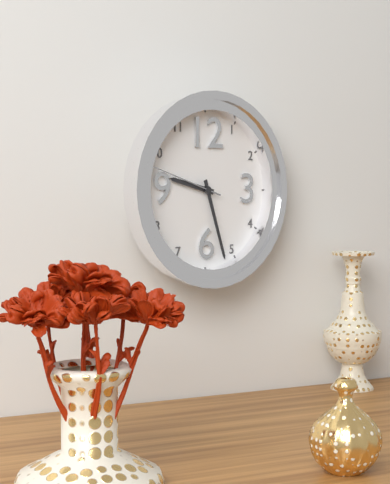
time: **9:27:48**
